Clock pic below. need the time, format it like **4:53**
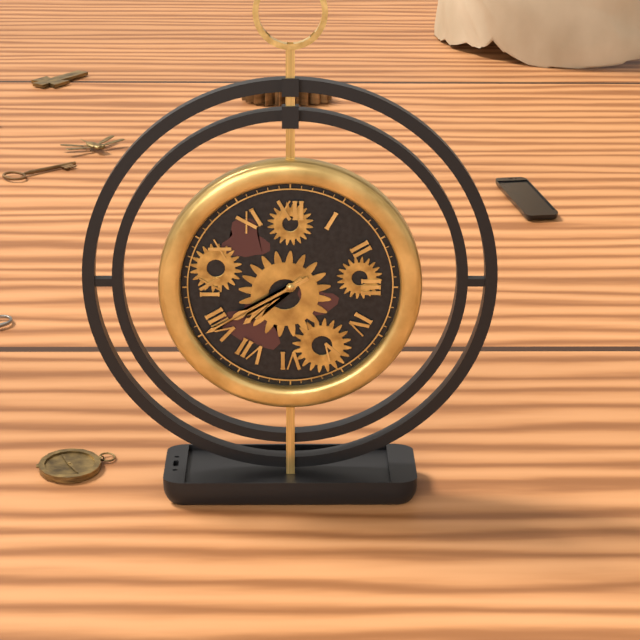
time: **7:40**
